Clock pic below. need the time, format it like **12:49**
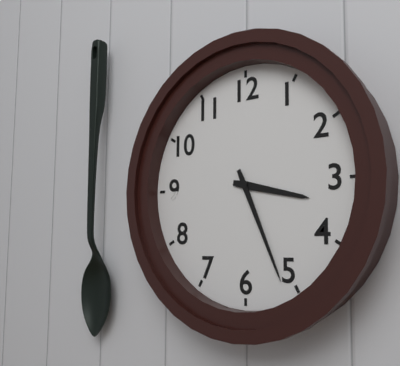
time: **3:26**
